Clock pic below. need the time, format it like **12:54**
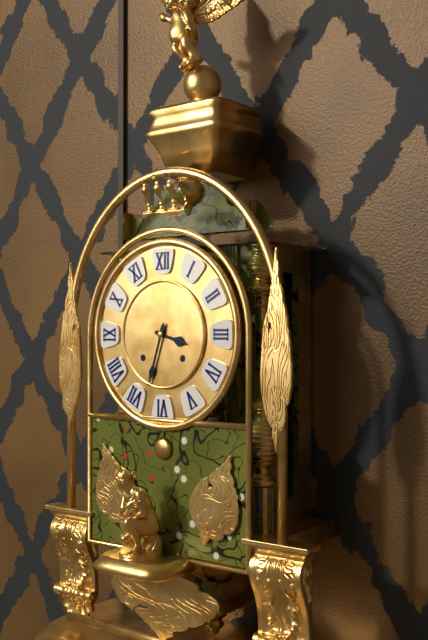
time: **3:33**
